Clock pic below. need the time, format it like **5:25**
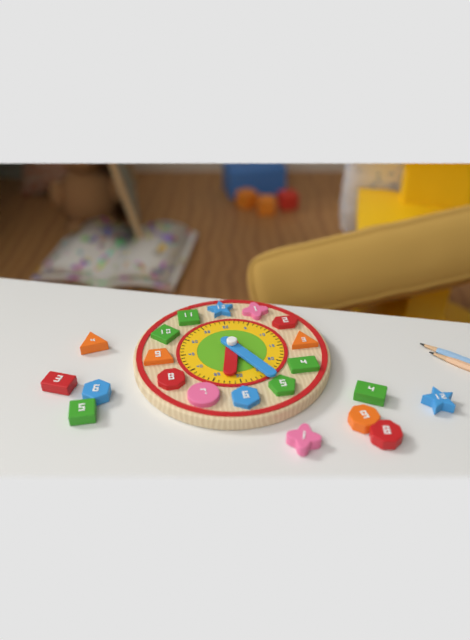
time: **6:25**
